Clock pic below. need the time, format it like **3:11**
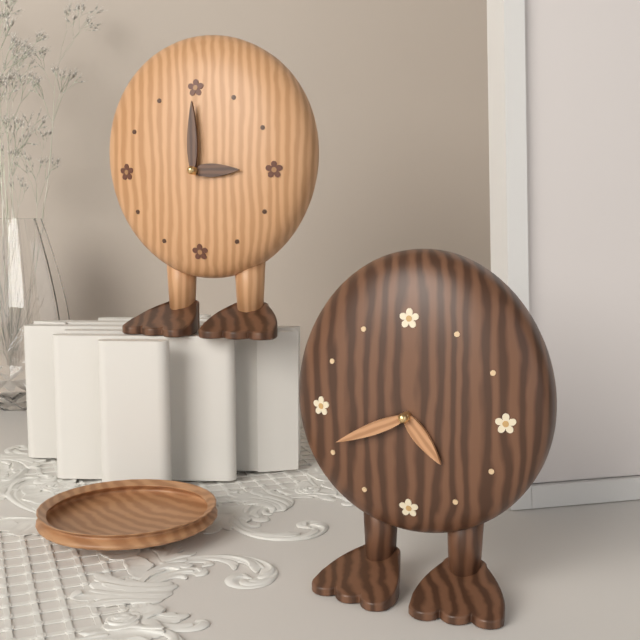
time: **4:41**
